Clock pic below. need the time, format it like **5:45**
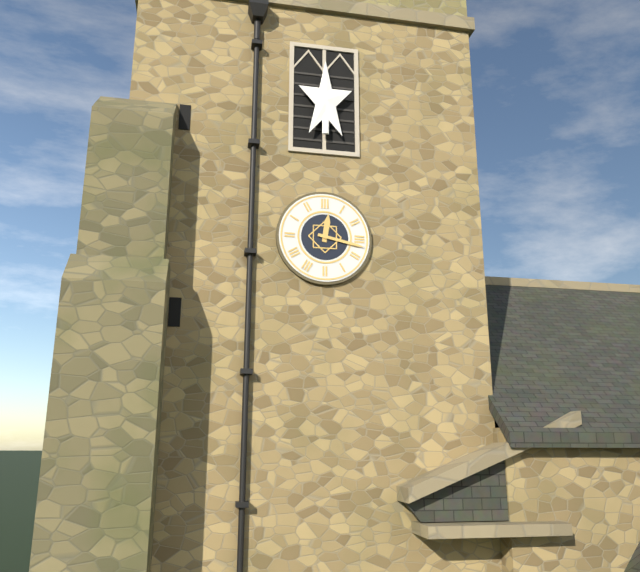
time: **12:17**
